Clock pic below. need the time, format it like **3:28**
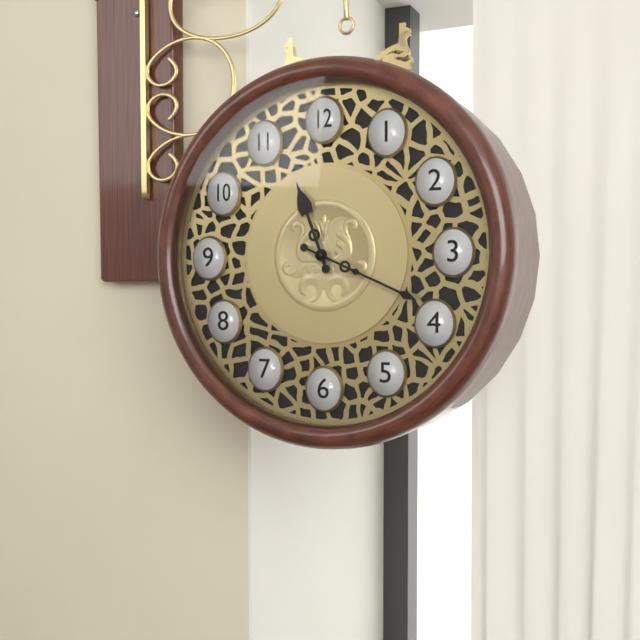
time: **11:19**
